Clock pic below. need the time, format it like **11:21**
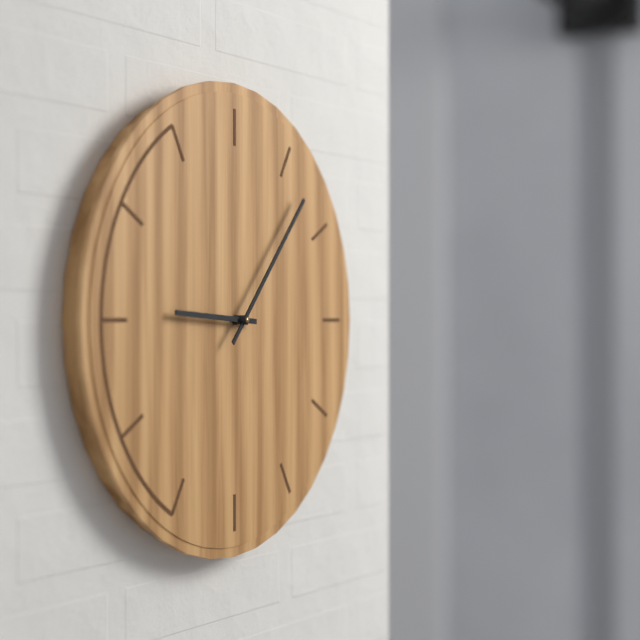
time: **9:07**
